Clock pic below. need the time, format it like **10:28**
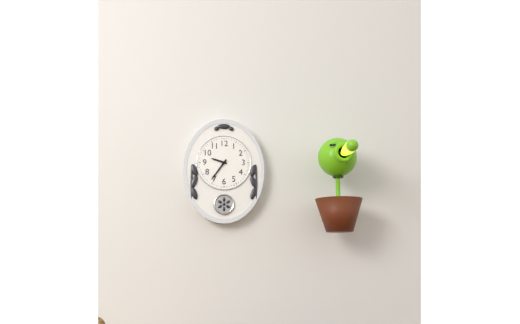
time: **9:36**
